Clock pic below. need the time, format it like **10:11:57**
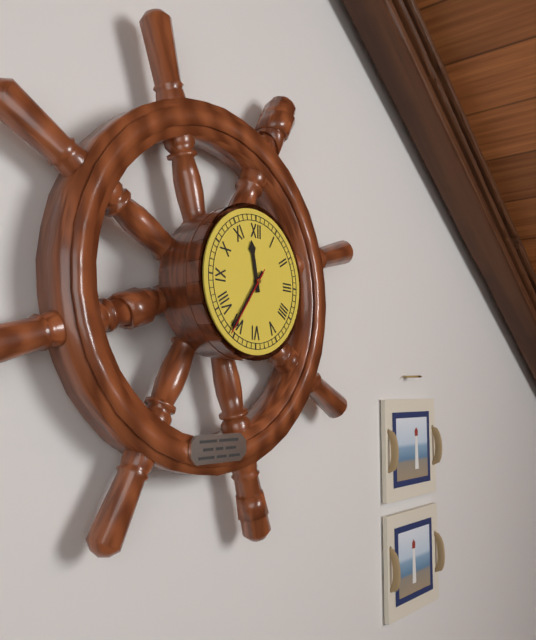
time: **11:36:36**
